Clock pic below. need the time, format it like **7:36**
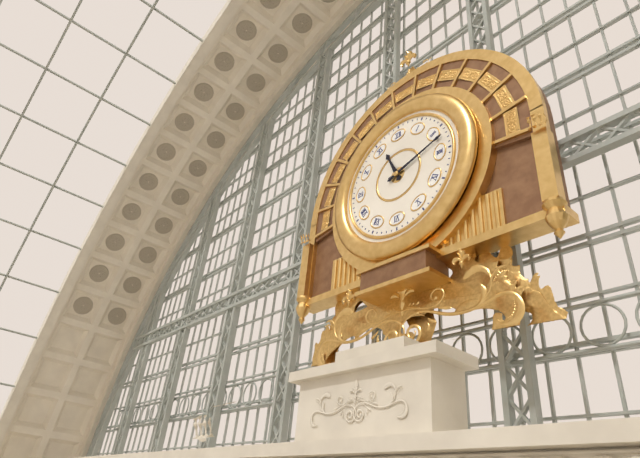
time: **11:12**
